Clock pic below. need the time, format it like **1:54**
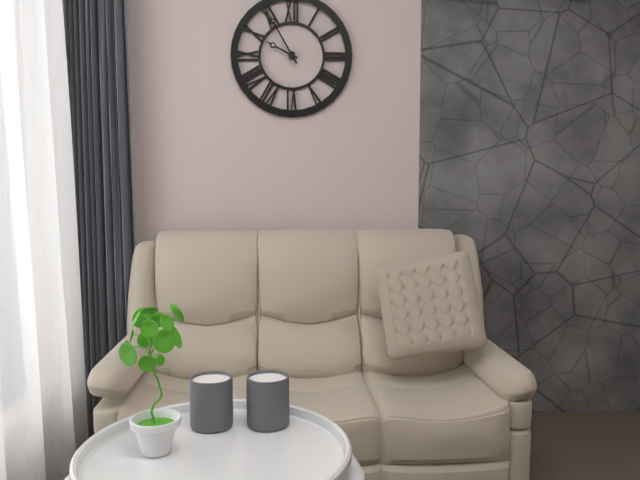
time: **9:55**
